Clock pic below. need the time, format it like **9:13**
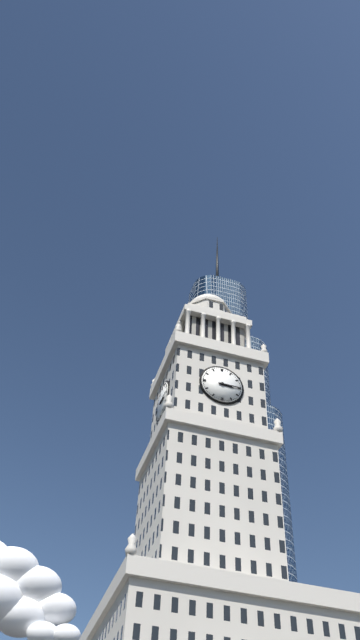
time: **3:15**
